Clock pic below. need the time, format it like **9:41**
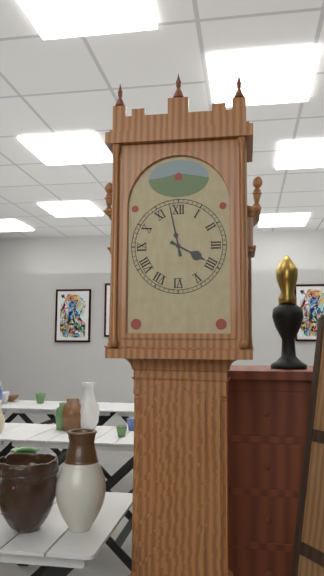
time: **3:58**
